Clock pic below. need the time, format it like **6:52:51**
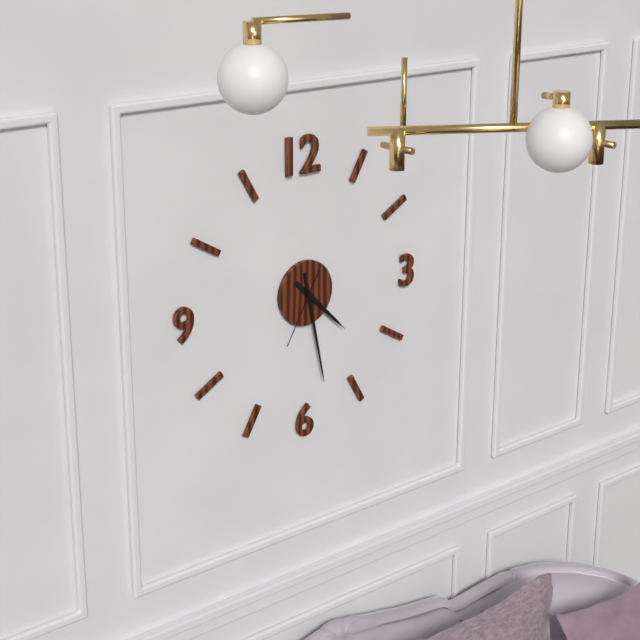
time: **4:28:35**
